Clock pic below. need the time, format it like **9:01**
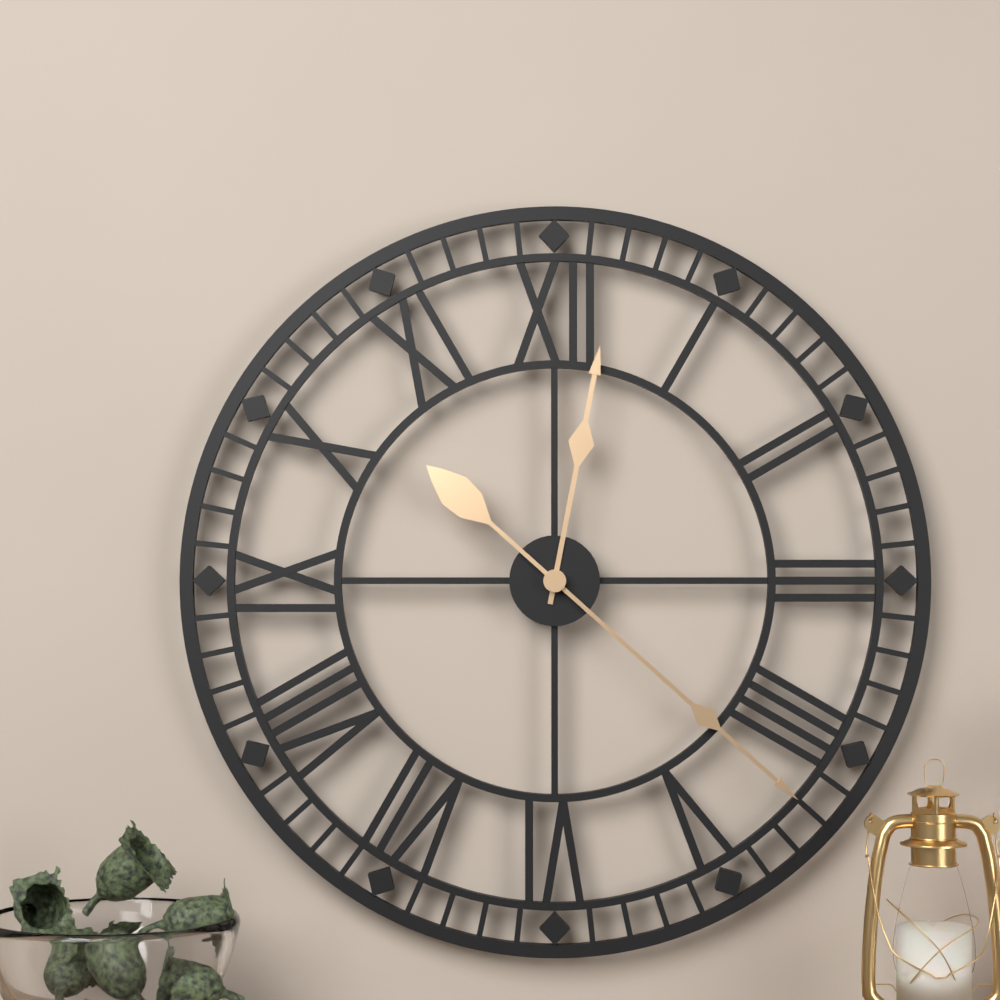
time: **12:22**
